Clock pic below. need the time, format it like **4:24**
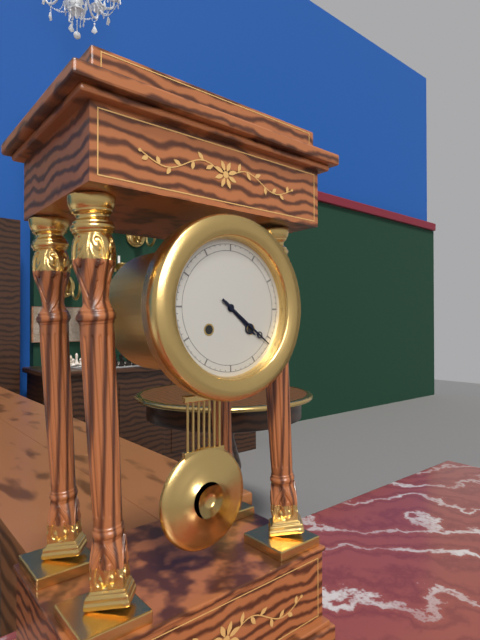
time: **4:21**
